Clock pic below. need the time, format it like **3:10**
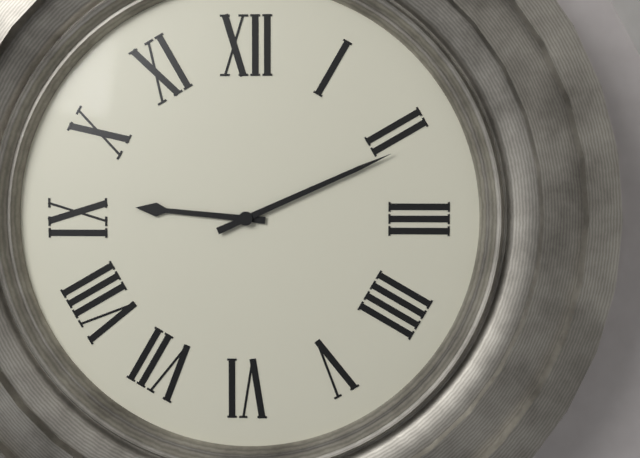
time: **9:11**
